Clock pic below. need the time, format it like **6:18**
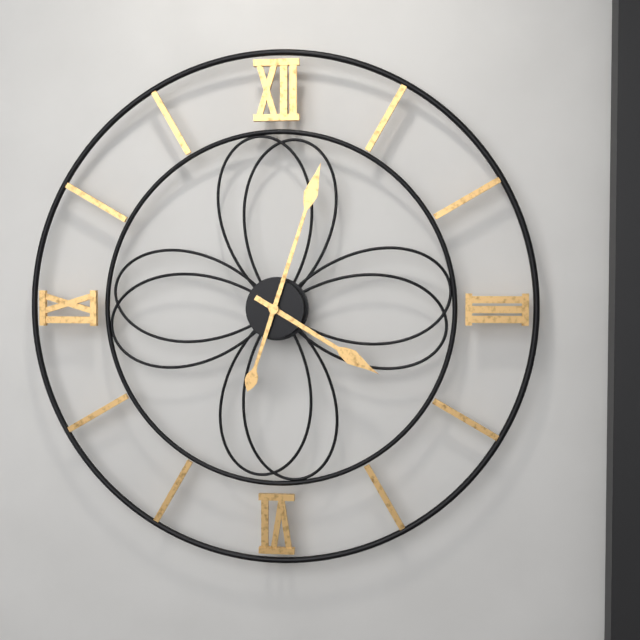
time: **4:03**
